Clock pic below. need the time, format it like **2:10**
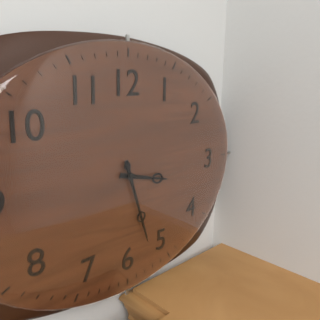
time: **3:27**
